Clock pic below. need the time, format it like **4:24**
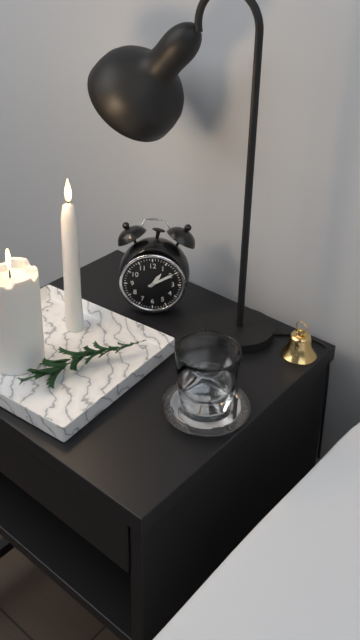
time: **1:10**
